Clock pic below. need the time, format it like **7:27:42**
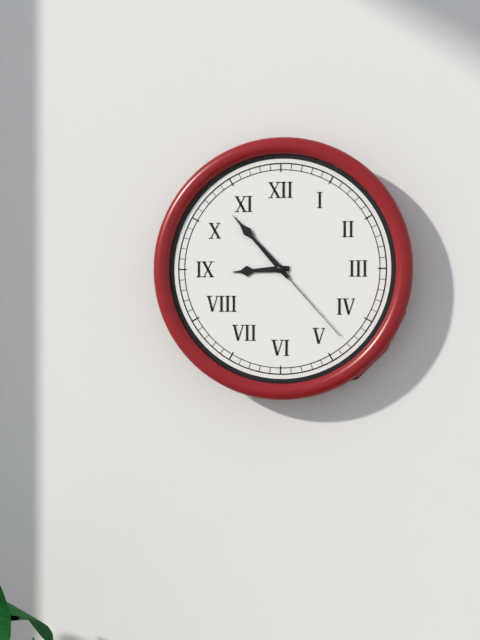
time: **8:53:23**
